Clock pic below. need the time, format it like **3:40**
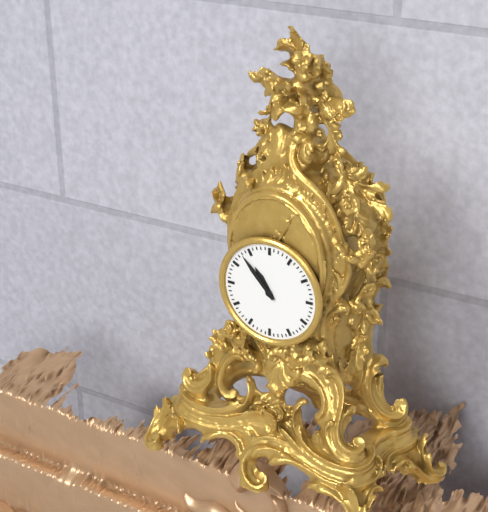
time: **10:53**
